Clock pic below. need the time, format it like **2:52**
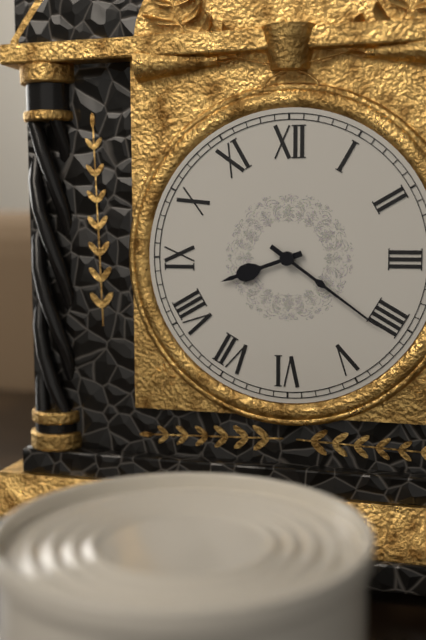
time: **8:21**
